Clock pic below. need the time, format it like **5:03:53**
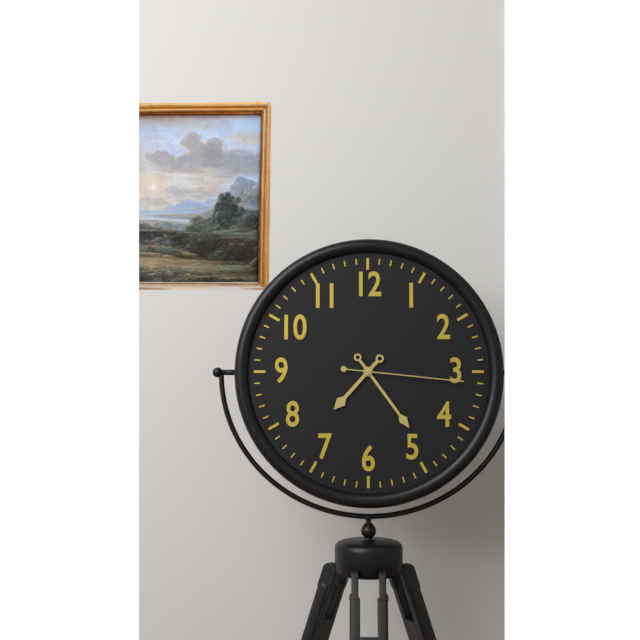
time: **7:24:16**
